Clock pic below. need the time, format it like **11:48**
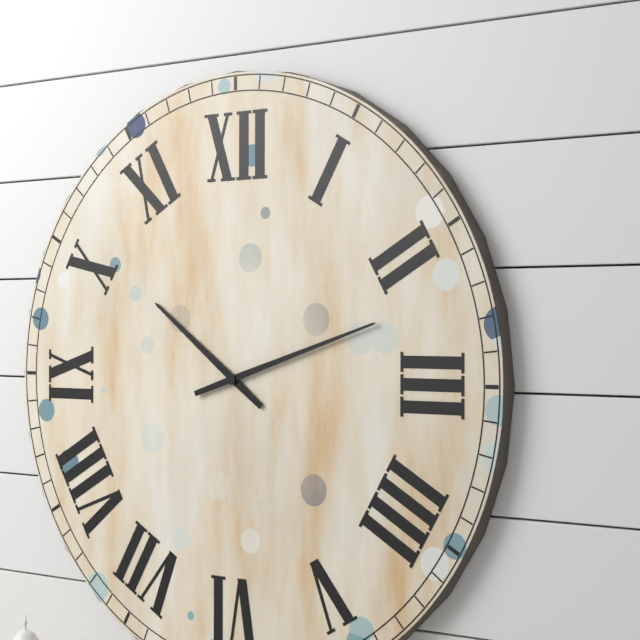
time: **10:12**
